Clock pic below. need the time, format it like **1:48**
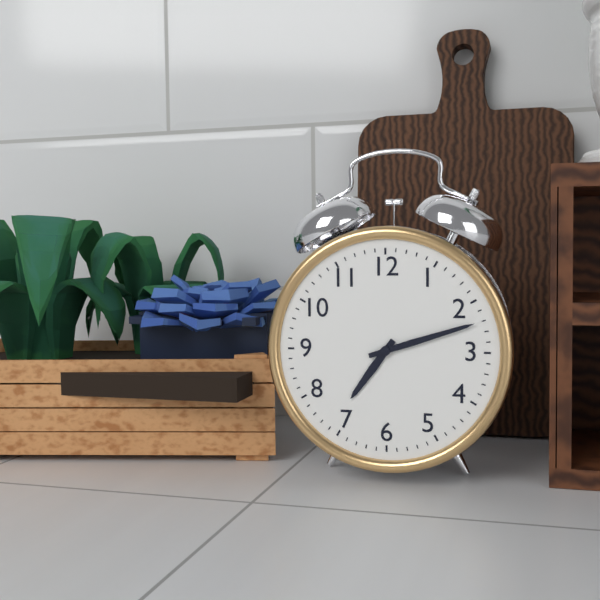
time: **7:12**
